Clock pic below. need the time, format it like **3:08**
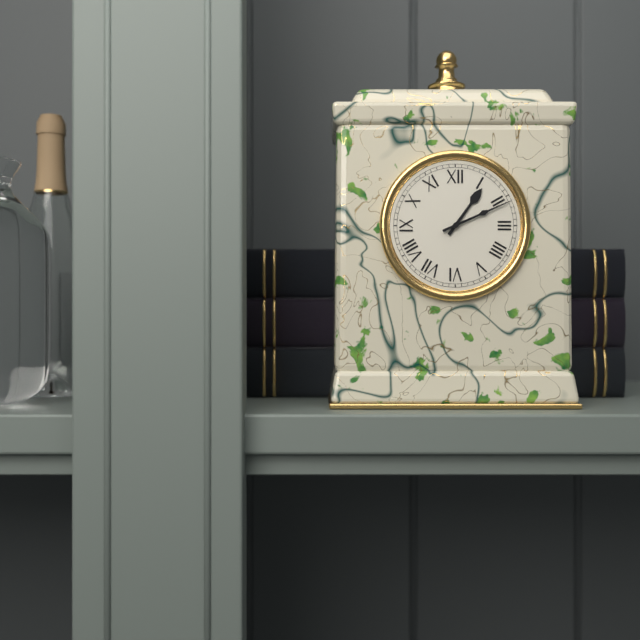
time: **1:11**
